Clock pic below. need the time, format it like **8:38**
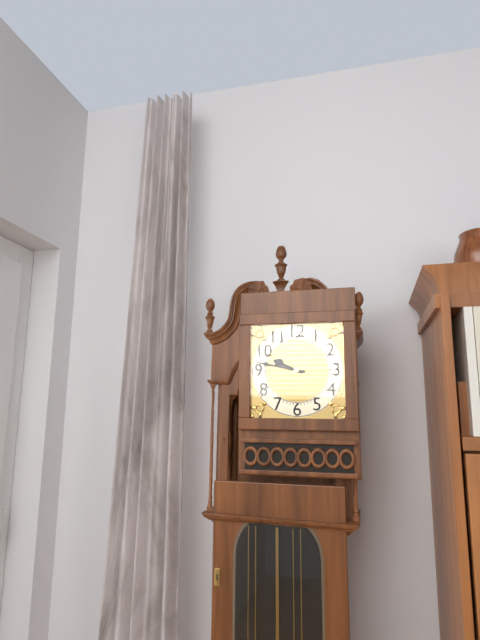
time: **9:47**
